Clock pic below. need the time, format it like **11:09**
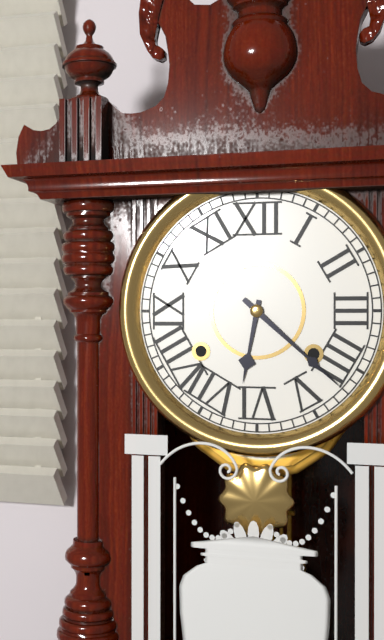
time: **6:22**
